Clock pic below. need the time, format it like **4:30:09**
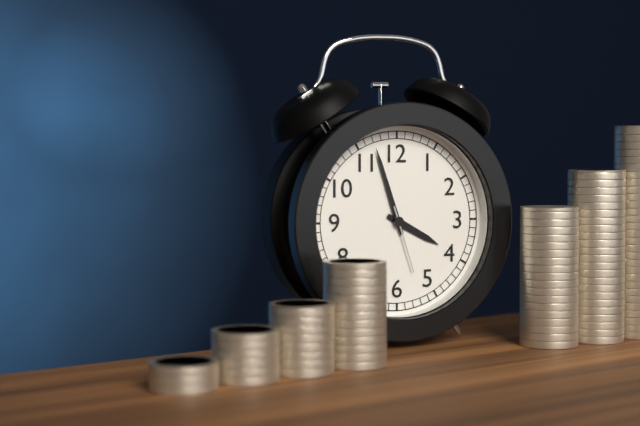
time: **3:57:27**
